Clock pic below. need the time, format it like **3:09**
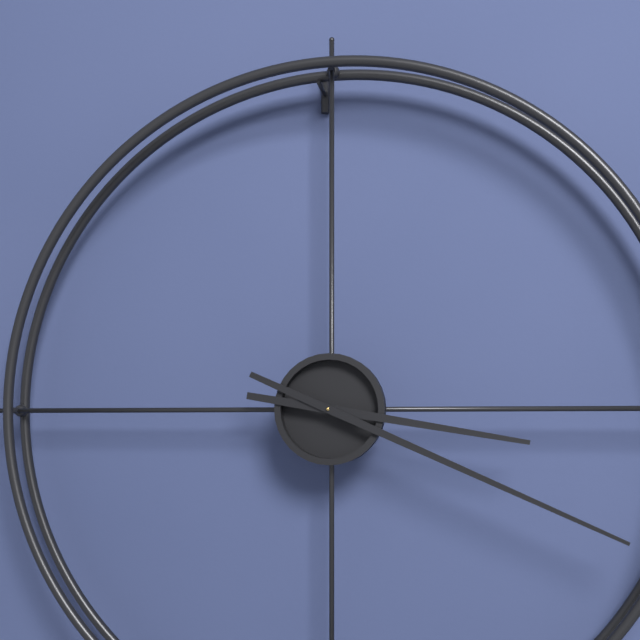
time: **3:19**
